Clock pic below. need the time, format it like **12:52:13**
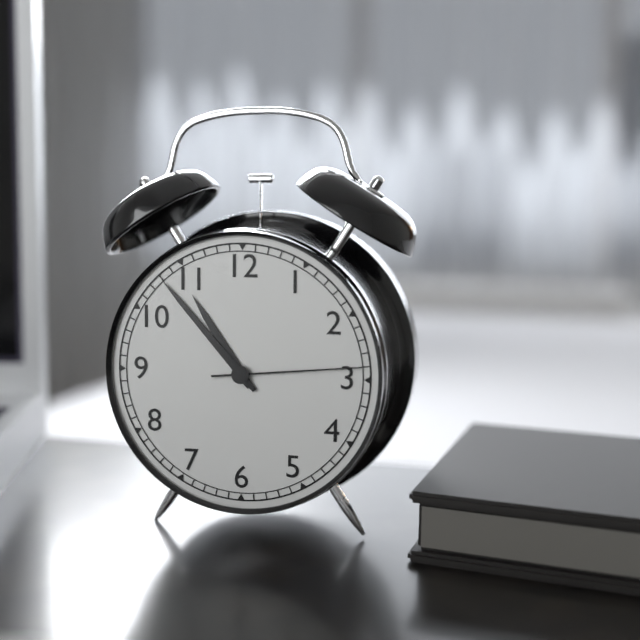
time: **10:53:14**
